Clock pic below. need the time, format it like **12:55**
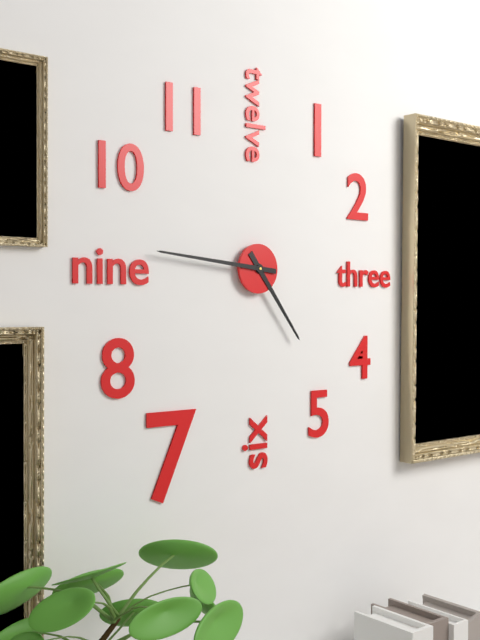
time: **4:46**
